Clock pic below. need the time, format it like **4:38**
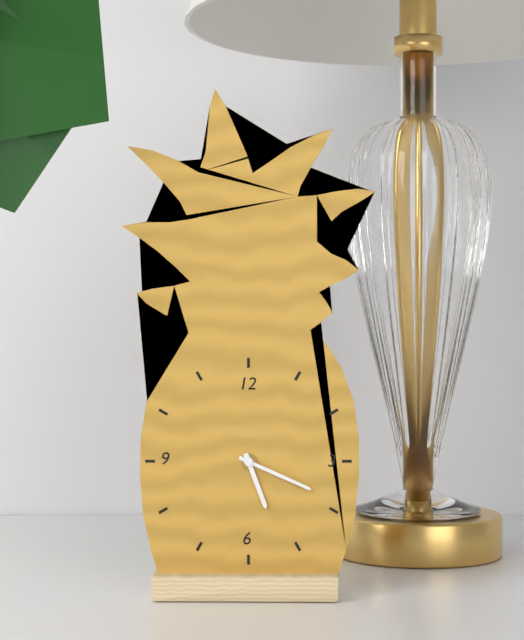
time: **5:19**
